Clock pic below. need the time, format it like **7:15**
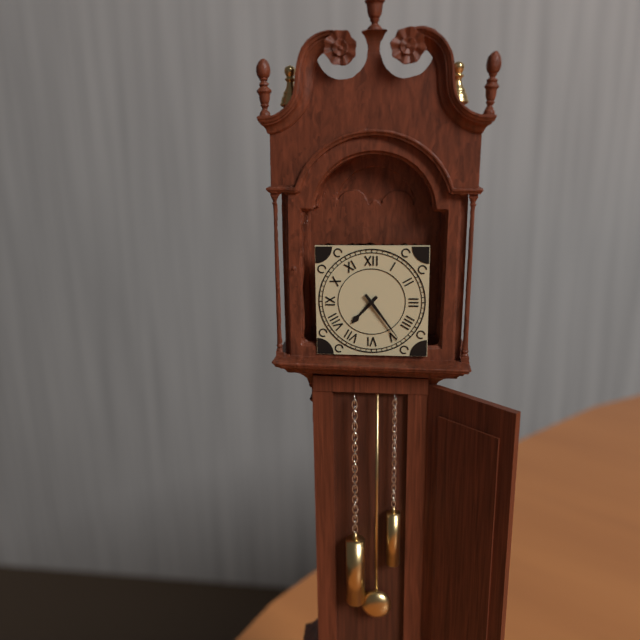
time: **7:24**
